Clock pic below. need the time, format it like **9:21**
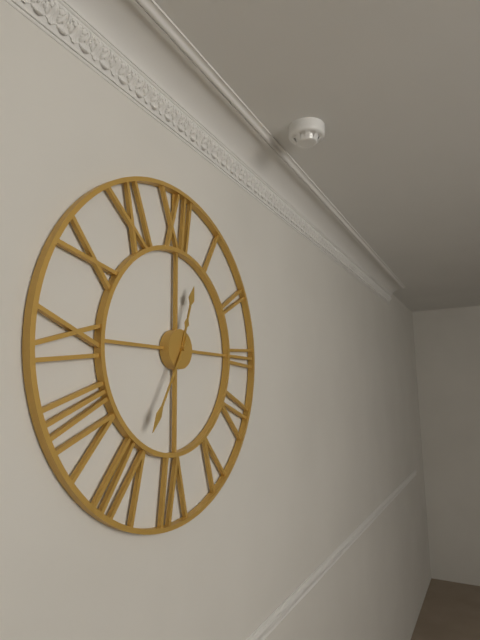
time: **12:35**
